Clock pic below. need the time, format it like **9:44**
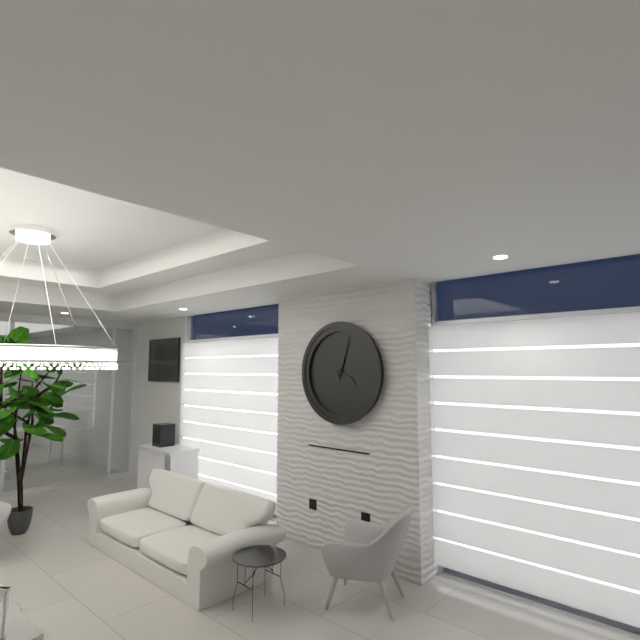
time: **4:03**
